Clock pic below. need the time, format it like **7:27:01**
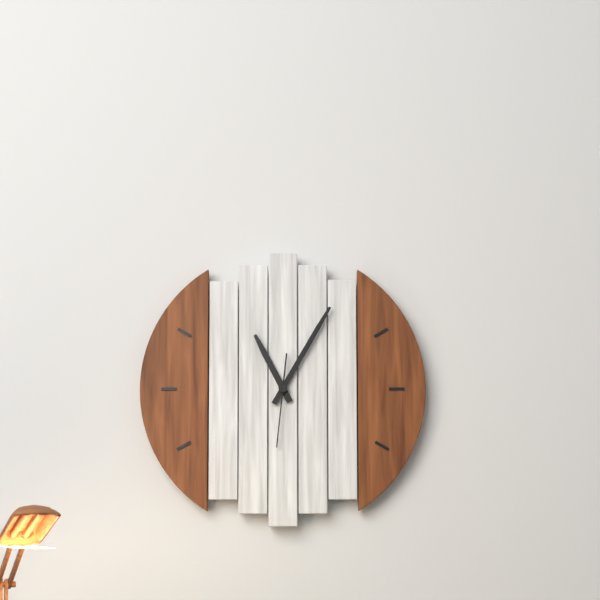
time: **11:05:31**
